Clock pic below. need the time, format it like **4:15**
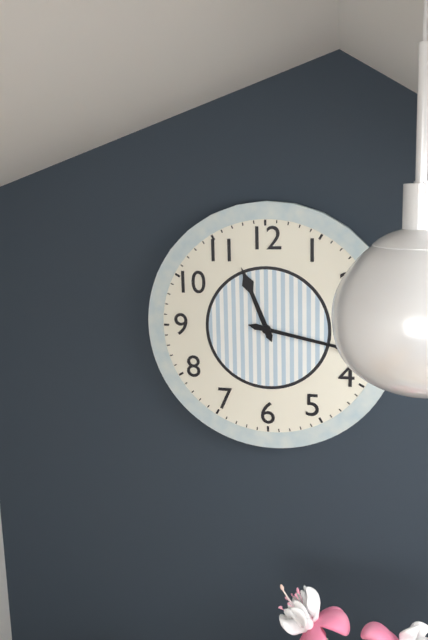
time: **11:17**
